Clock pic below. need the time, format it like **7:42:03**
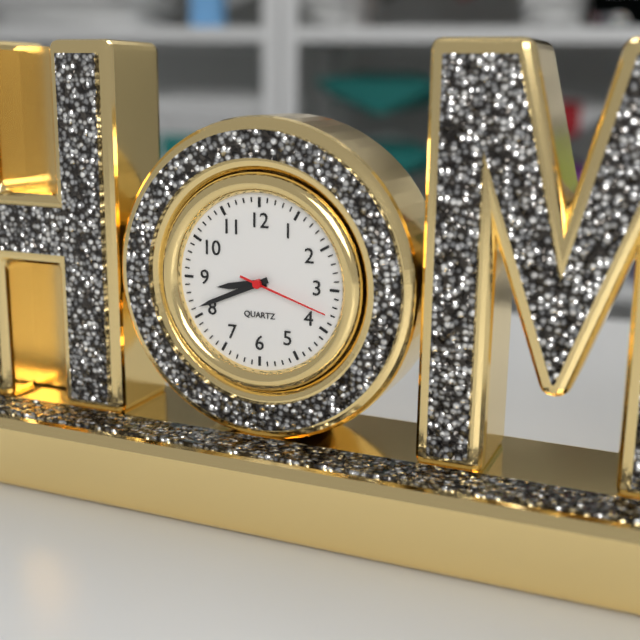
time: **8:41:18**
